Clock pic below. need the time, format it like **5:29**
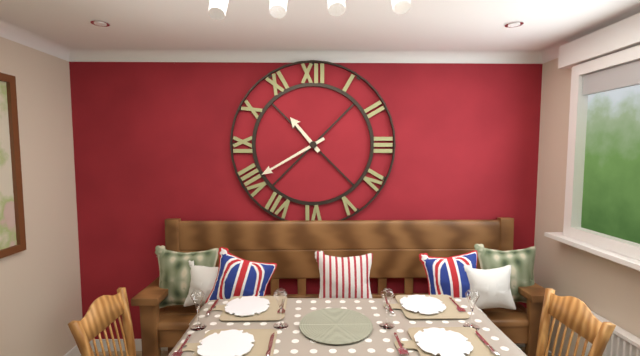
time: **10:40**
